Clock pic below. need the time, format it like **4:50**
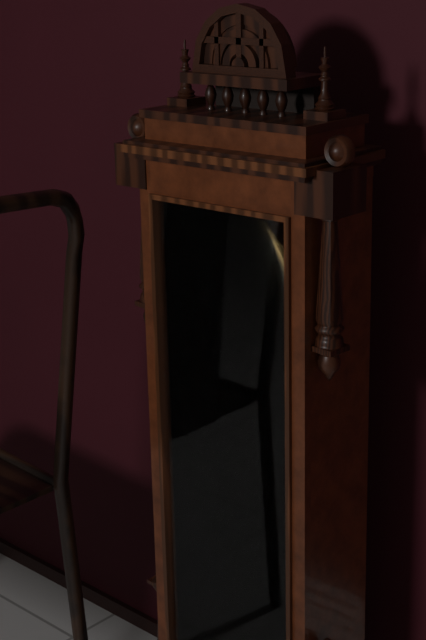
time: **12:23**
